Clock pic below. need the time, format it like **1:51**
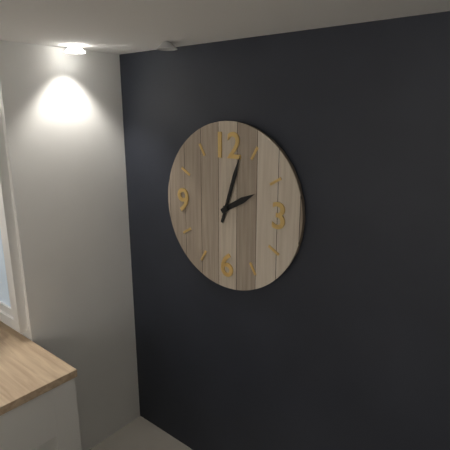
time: **2:03**
